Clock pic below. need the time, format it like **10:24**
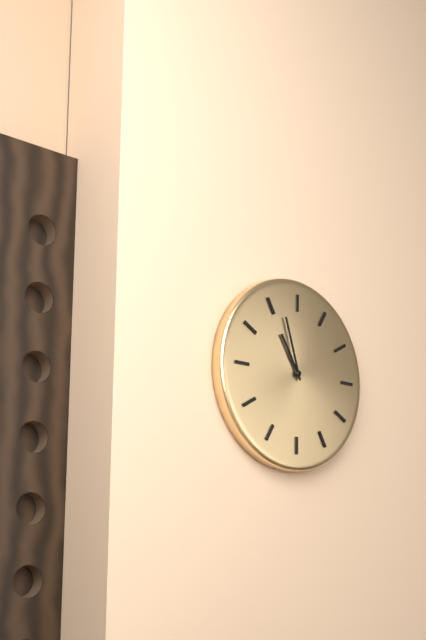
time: **10:57**
